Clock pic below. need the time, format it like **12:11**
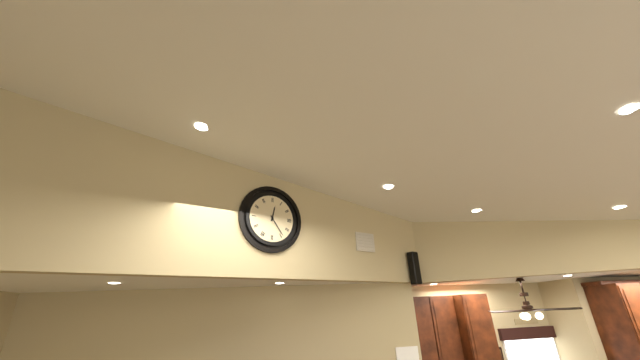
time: **12:24**
